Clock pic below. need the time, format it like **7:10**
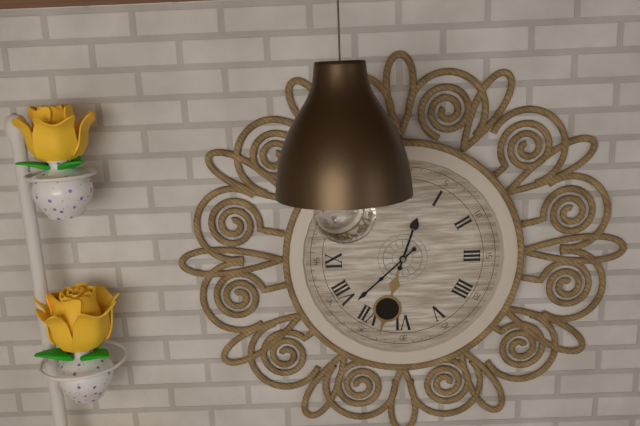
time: **12:38**
